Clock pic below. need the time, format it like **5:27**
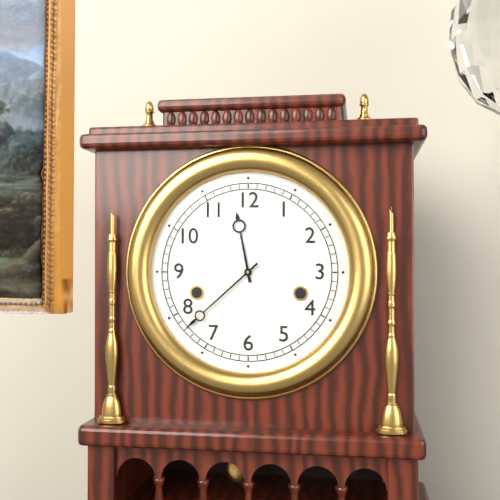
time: **11:38**
